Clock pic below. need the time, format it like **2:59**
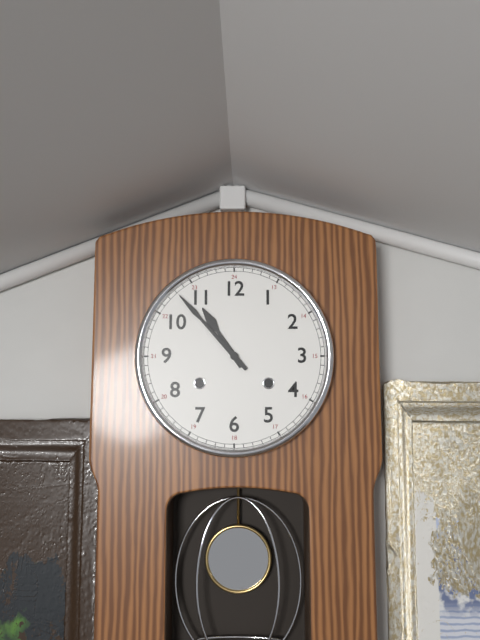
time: **10:53**
